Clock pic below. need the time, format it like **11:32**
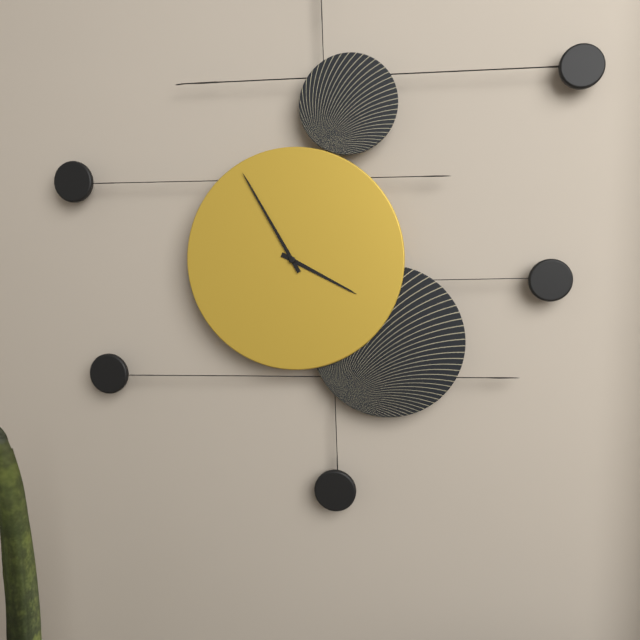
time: **3:55**
